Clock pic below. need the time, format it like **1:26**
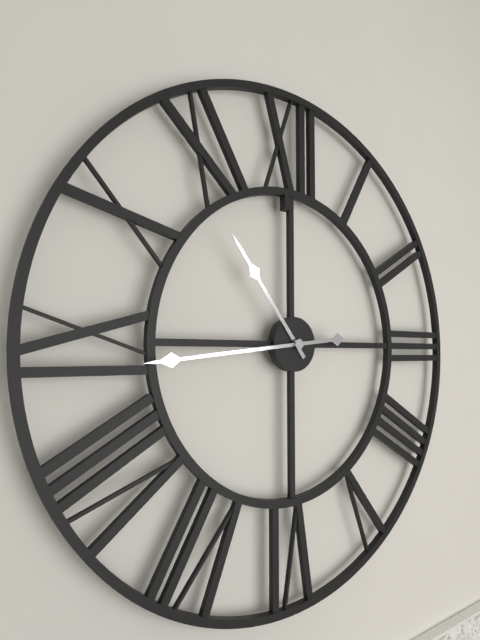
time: **10:44**
